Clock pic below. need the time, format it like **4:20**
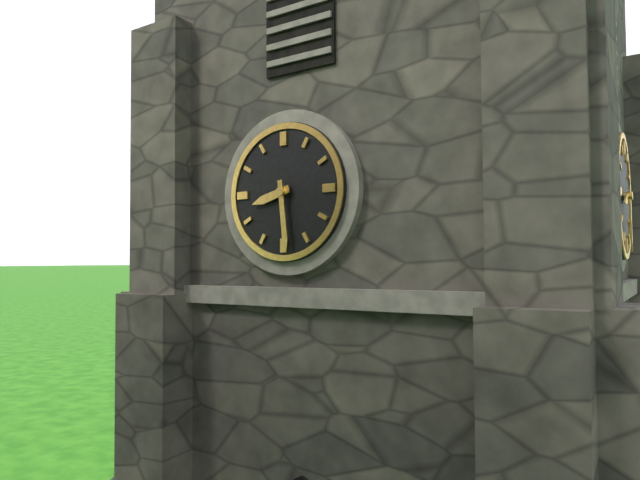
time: **8:29**
